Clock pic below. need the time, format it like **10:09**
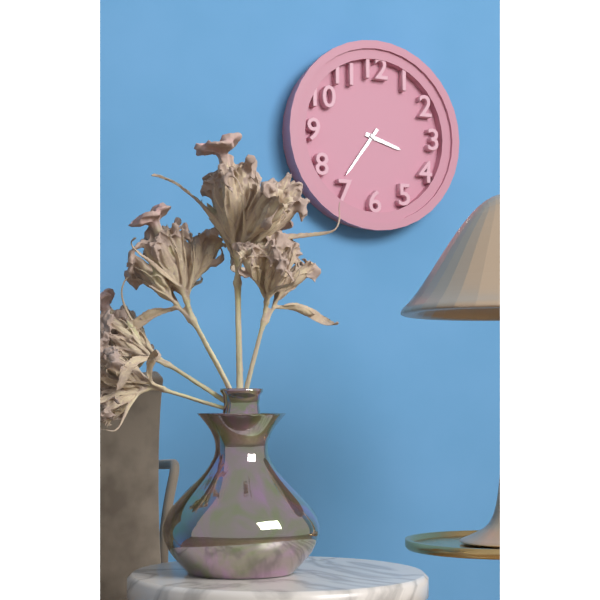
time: **3:36**
